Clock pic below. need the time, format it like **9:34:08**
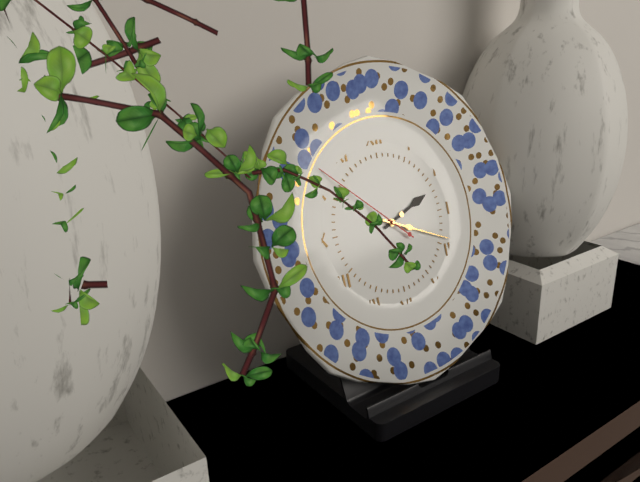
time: **2:19:52**
